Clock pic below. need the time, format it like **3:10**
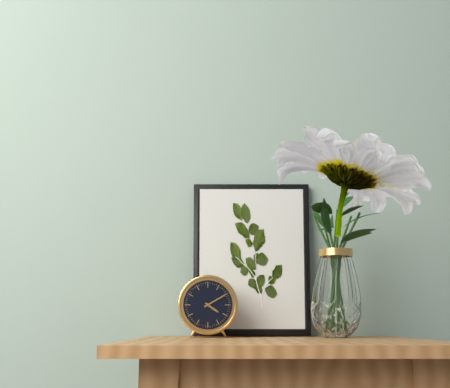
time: **4:10**
